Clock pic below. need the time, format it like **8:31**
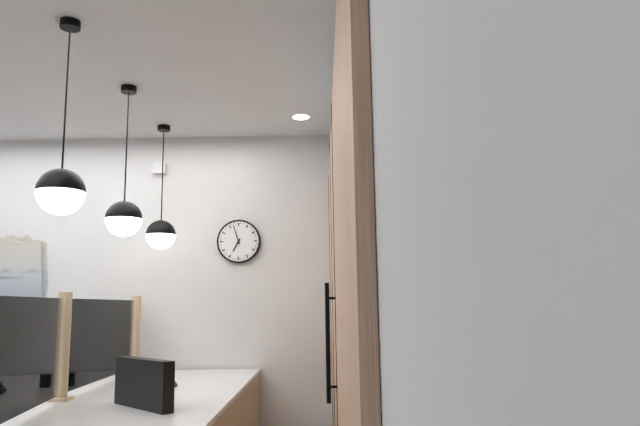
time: **6:57**
